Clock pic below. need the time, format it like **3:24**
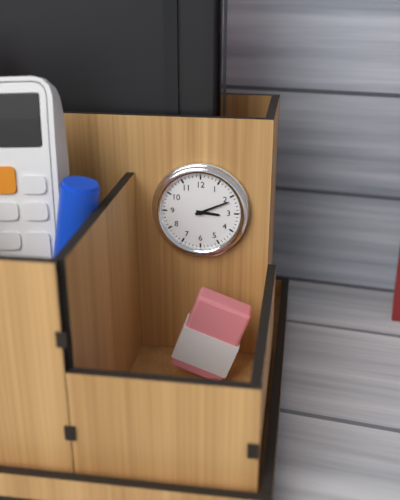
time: **3:11**
